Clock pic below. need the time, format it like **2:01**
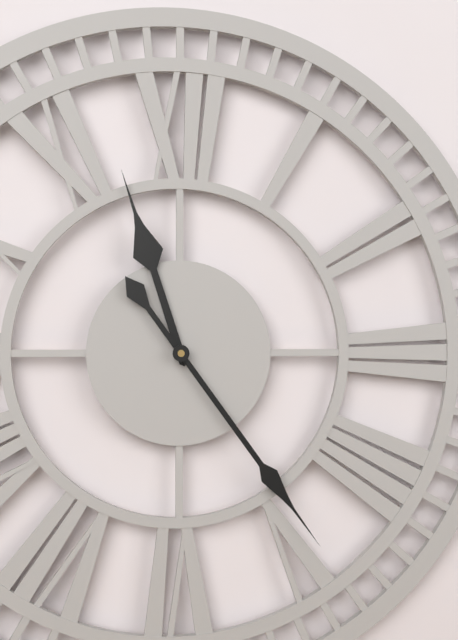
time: **11:24**
